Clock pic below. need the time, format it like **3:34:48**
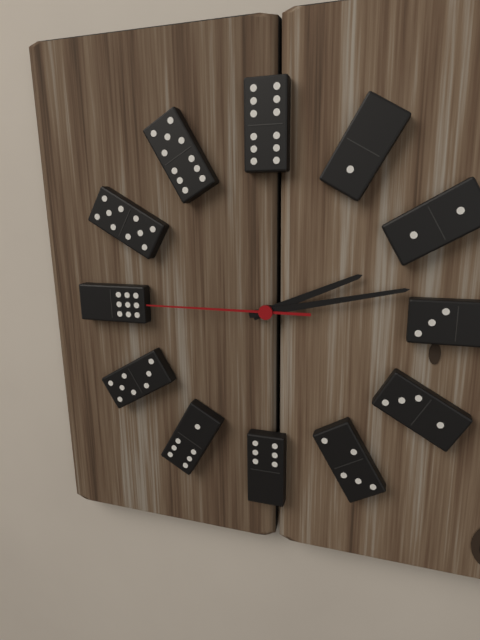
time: **2:13:45**
